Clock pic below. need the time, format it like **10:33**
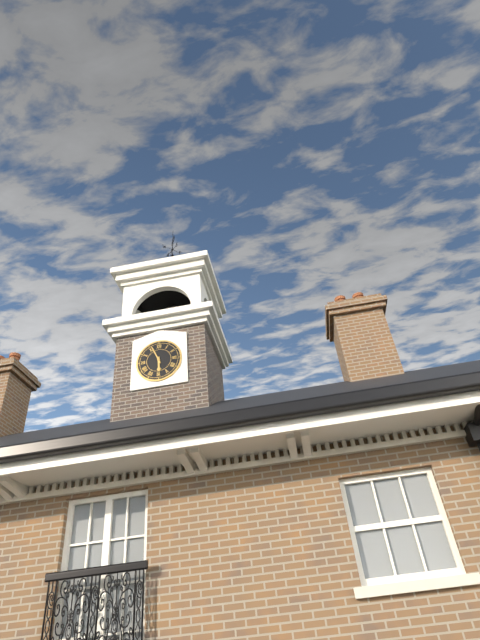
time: **5:56**
